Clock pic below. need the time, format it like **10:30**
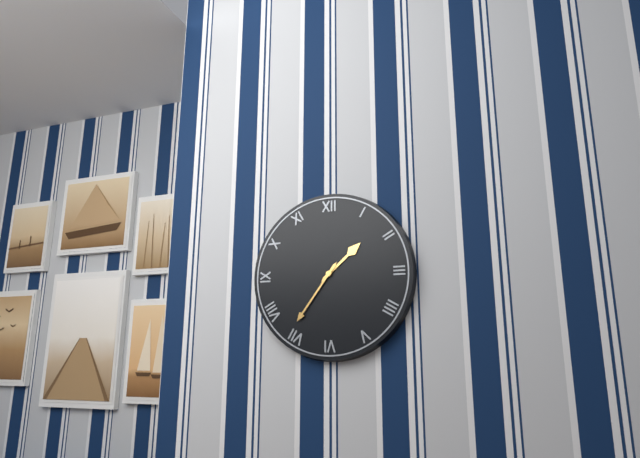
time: **1:36**
